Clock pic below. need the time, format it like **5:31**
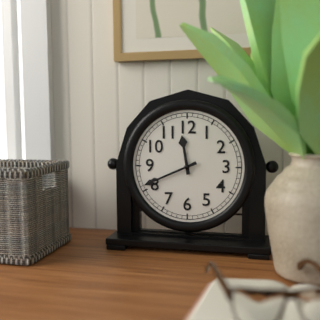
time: **11:41**
